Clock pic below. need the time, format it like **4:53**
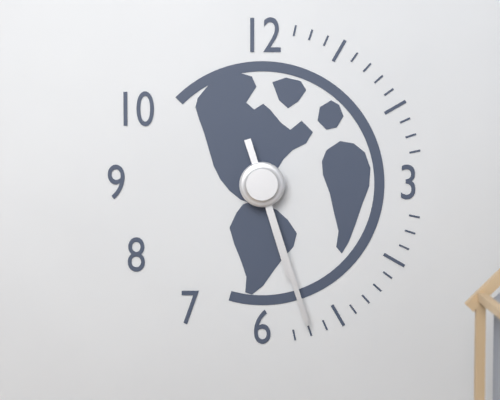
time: **5:27**
